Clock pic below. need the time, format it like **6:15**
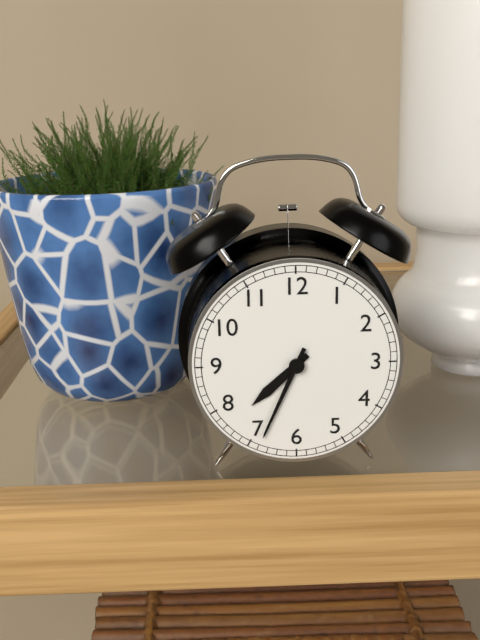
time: **7:34**
